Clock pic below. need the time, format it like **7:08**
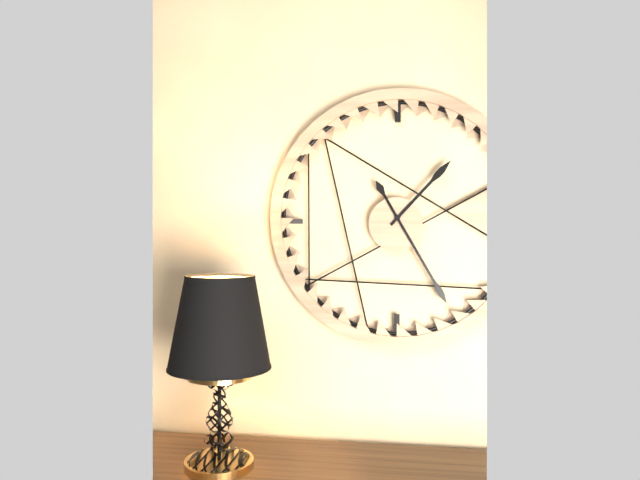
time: **1:25**
